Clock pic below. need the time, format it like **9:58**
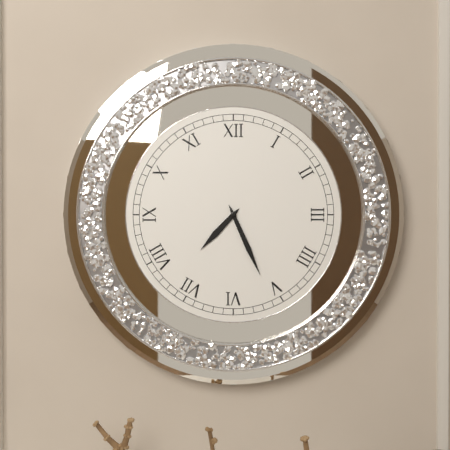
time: **7:26**
